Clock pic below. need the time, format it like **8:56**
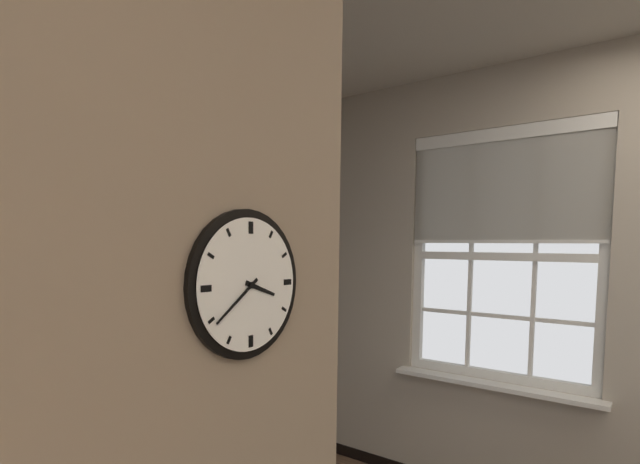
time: **3:39**
